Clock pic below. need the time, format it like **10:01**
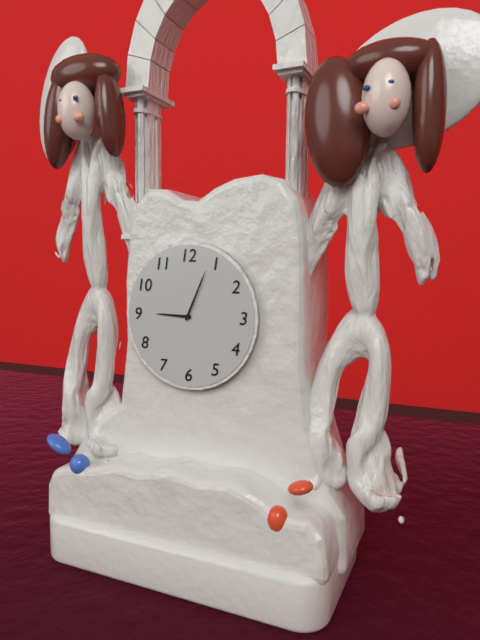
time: **9:04**
